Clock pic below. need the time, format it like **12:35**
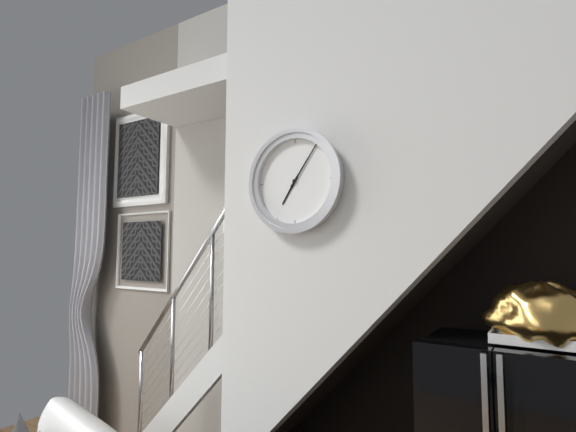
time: **7:06**
